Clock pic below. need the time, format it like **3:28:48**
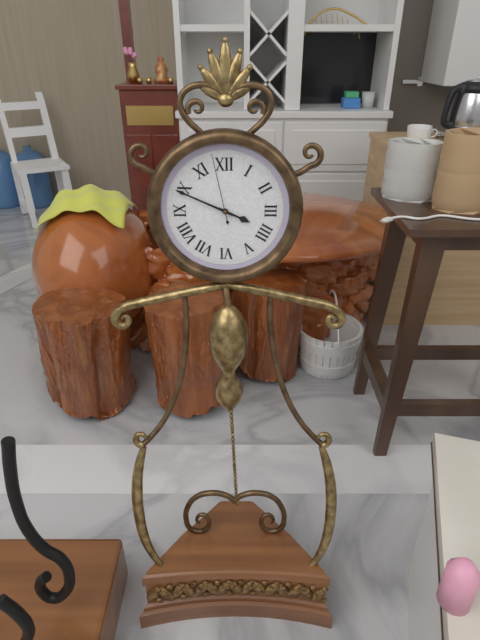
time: **3:49:58**
